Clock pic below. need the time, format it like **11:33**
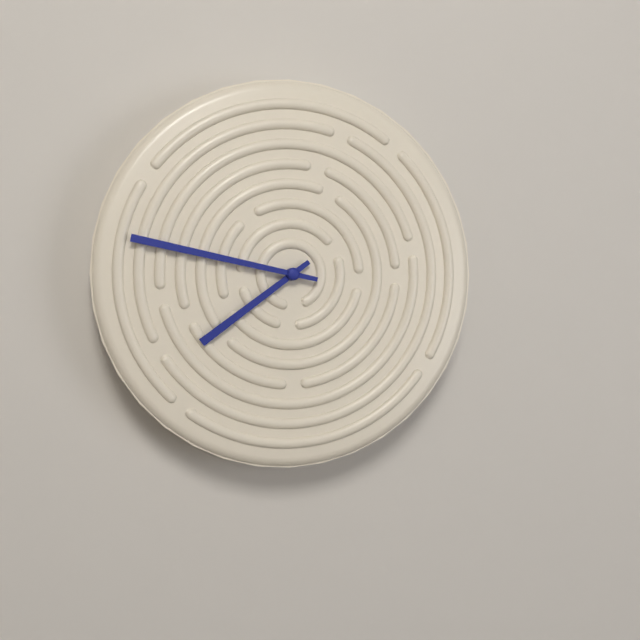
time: **7:47**
